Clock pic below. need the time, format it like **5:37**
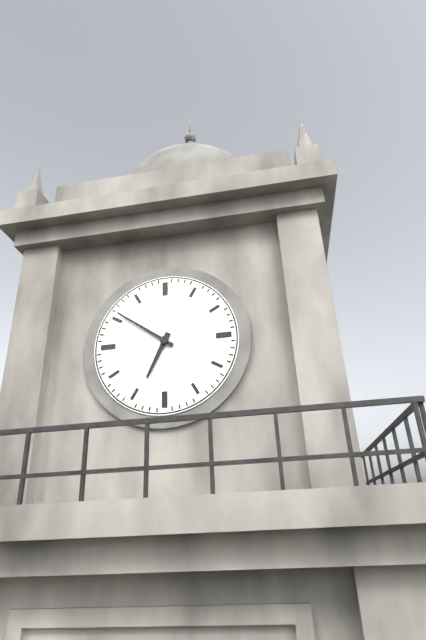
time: **6:51**
